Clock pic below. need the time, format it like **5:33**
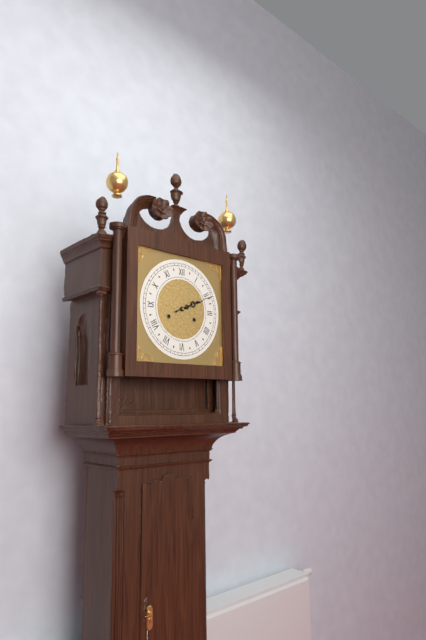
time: **2:11**
